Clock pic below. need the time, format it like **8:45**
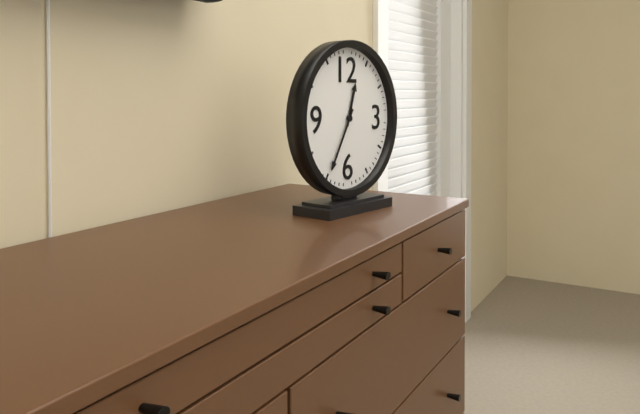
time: **12:35**
